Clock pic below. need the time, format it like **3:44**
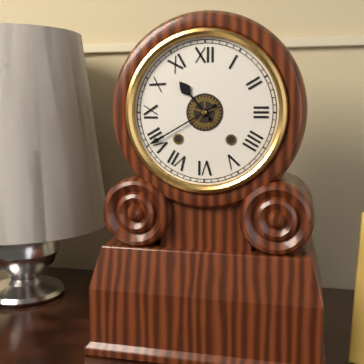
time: **10:40**
